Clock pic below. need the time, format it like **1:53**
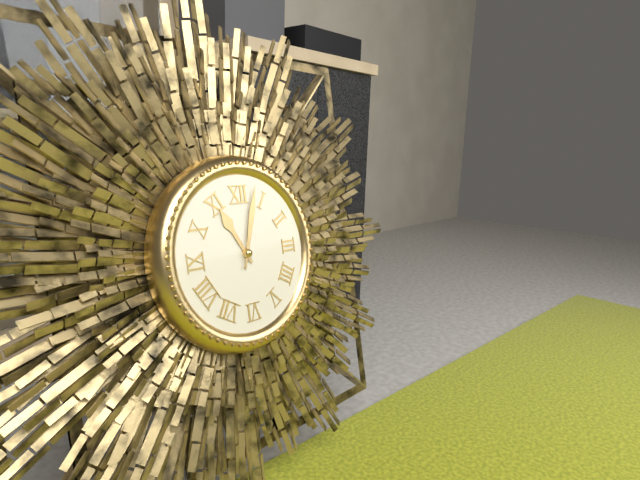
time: **11:03**
